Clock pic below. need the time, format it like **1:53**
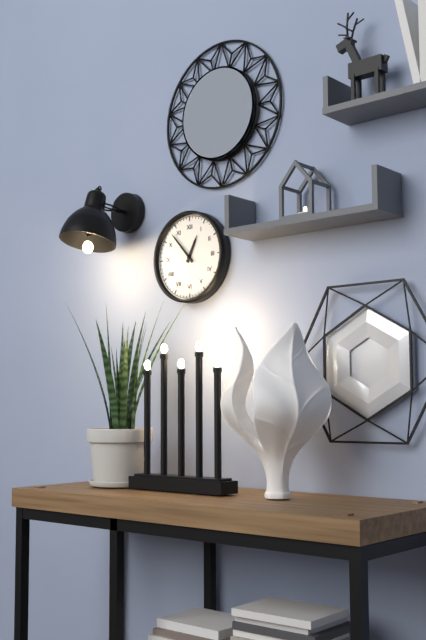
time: **12:53**
